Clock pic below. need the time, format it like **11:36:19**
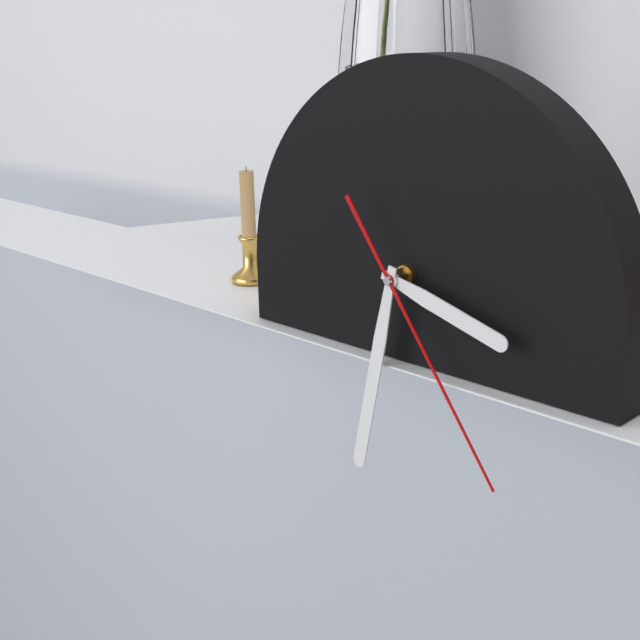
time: **3:32:24**
